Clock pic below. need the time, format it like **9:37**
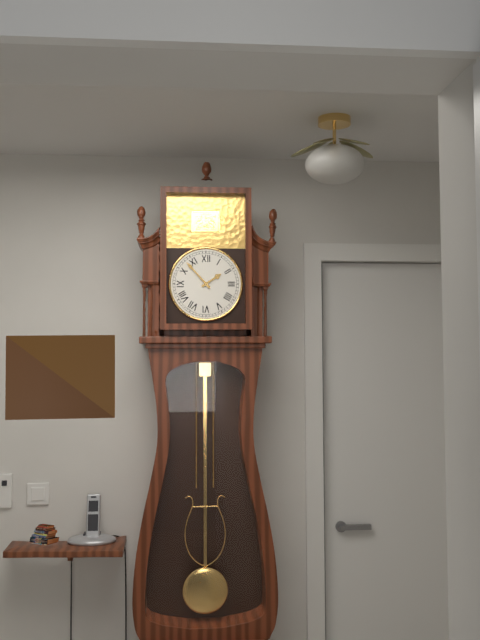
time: **1:53**
